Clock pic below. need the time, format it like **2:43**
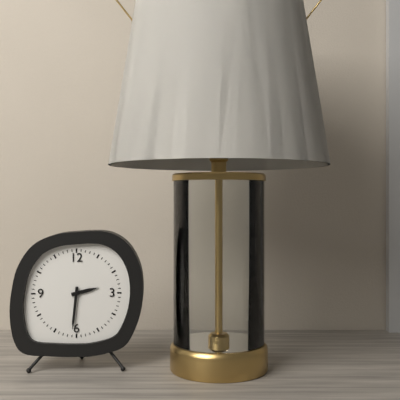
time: **2:31**
